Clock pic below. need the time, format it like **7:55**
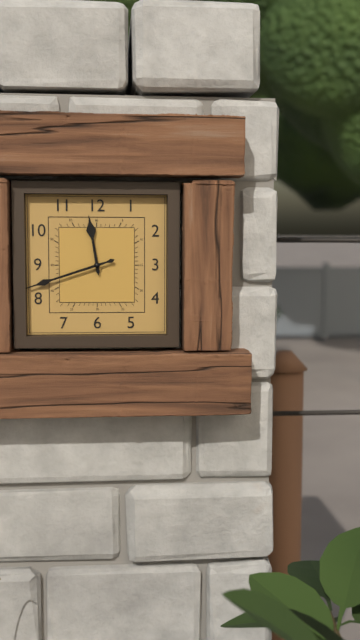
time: **11:42**
